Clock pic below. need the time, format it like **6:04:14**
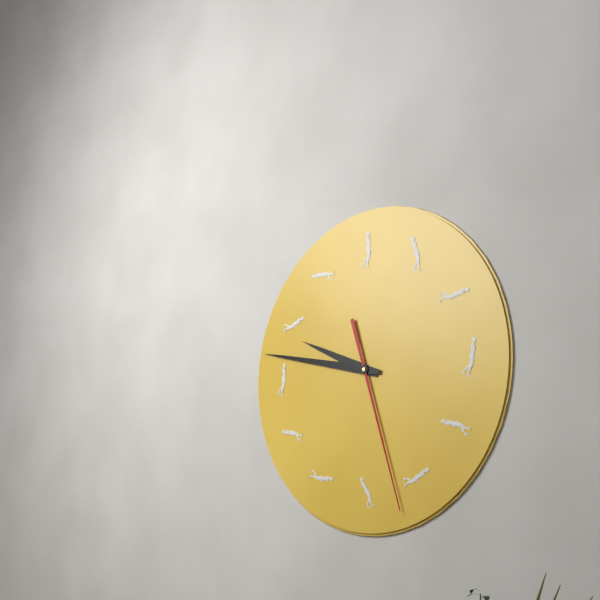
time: **9:47:27**
